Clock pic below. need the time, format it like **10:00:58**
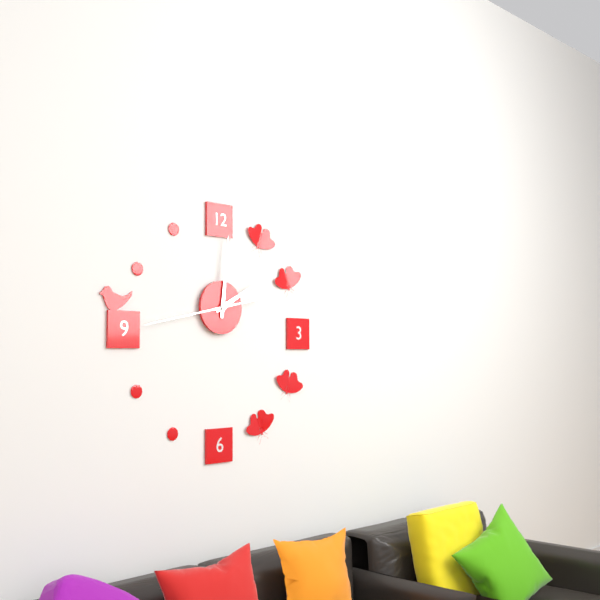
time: **2:01:43**
